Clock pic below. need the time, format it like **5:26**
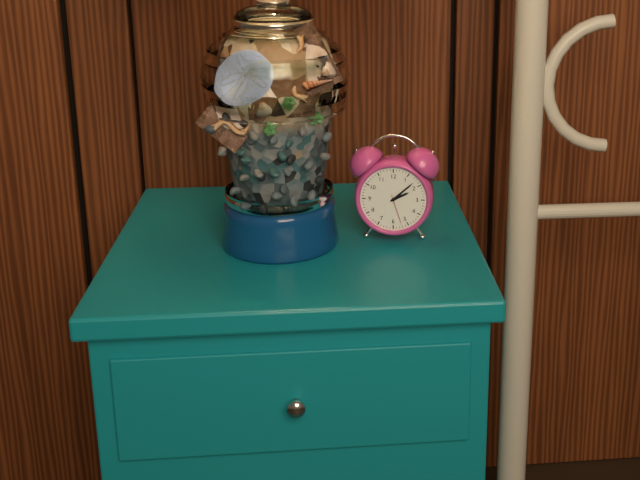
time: **2:08**
